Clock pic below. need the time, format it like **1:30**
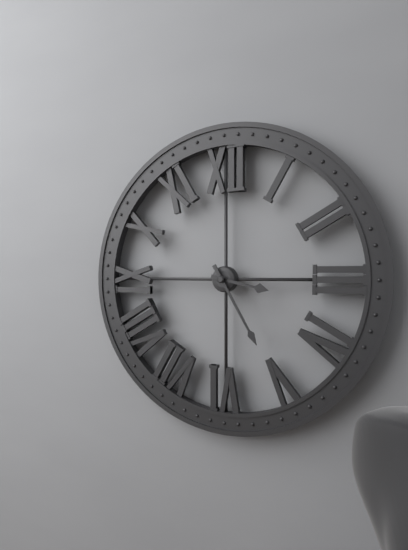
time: **3:25**
